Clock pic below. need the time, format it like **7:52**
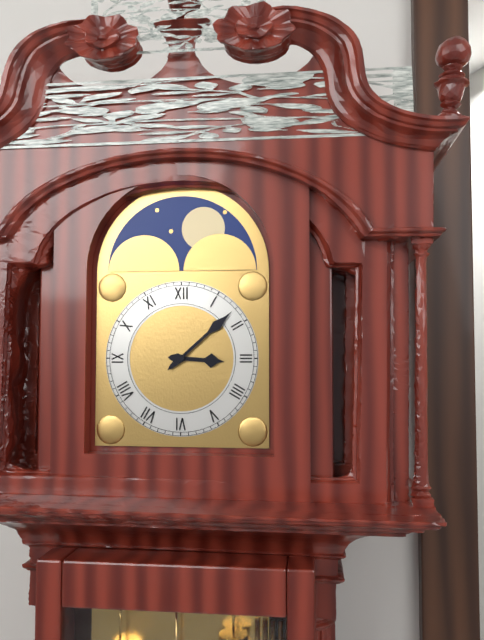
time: **3:08**
